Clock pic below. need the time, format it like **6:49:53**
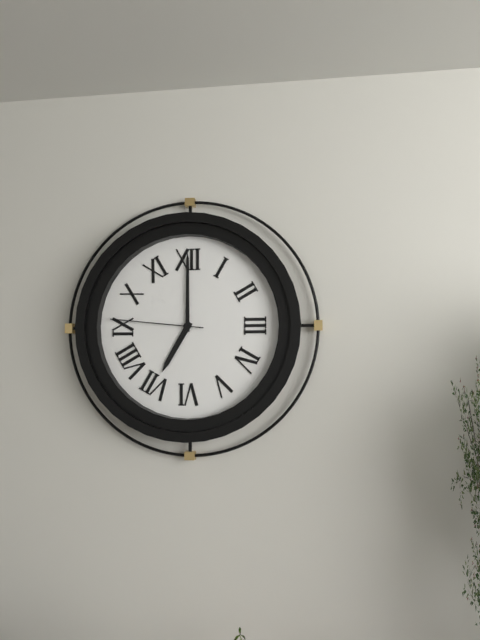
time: **7:00:46**
